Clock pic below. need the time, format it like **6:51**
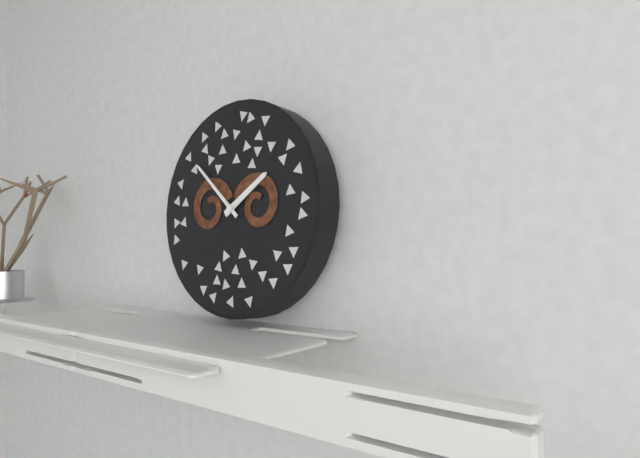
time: **1:52**
